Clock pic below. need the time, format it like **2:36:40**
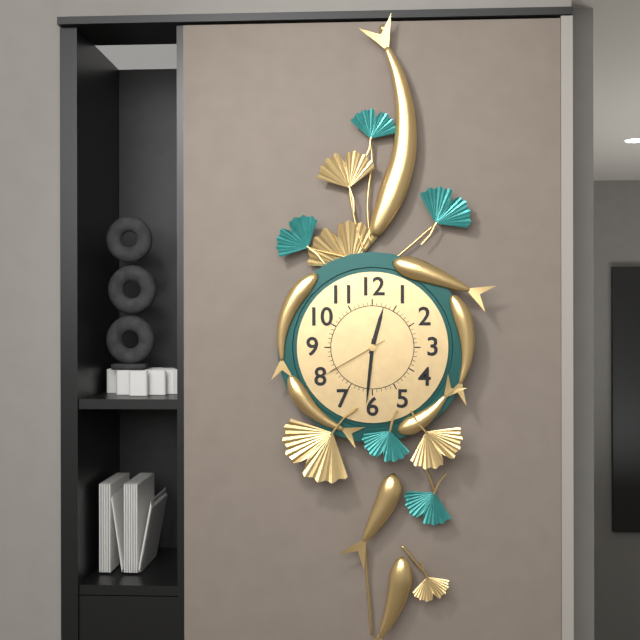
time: **12:31:40**
